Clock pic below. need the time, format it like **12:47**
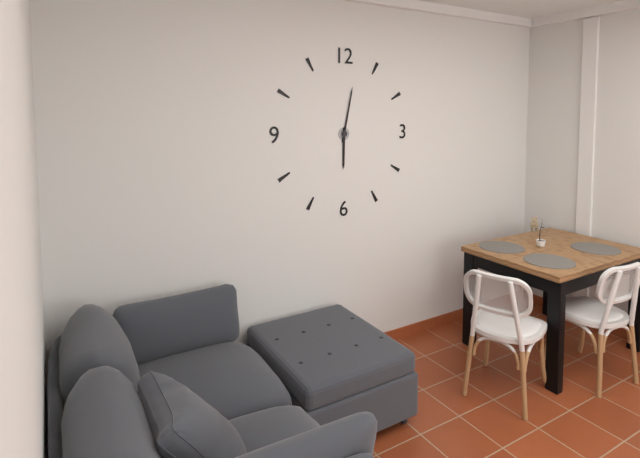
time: **6:02**
